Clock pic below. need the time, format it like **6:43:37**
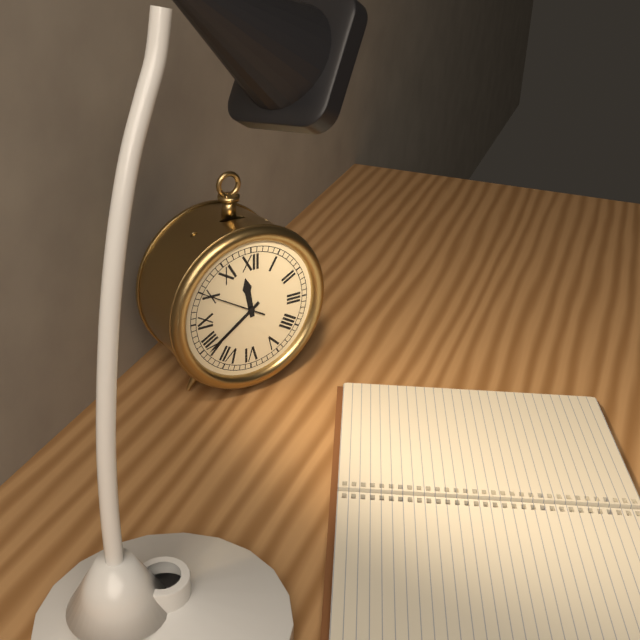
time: **11:39:50**
